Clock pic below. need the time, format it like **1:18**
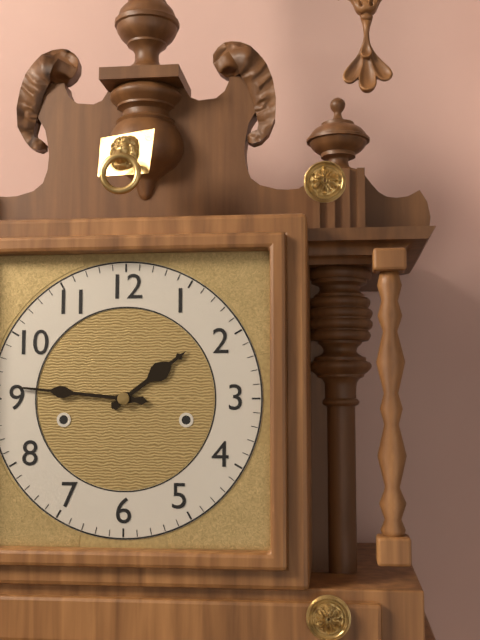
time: **1:46**
